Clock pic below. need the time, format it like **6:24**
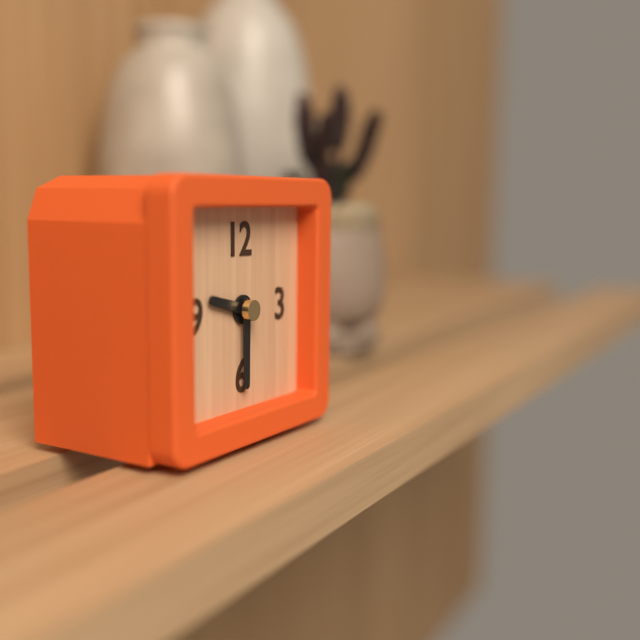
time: **9:30**
